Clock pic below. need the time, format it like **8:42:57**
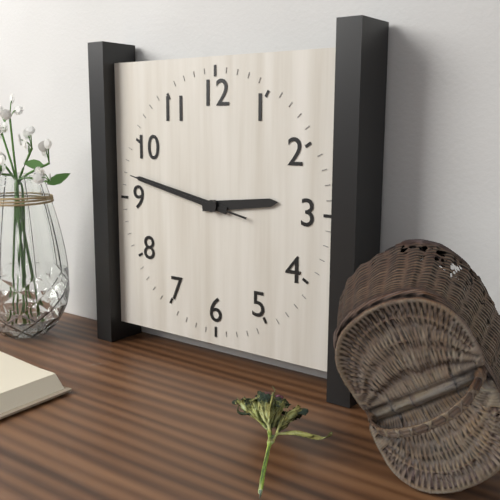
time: **2:47:47**
